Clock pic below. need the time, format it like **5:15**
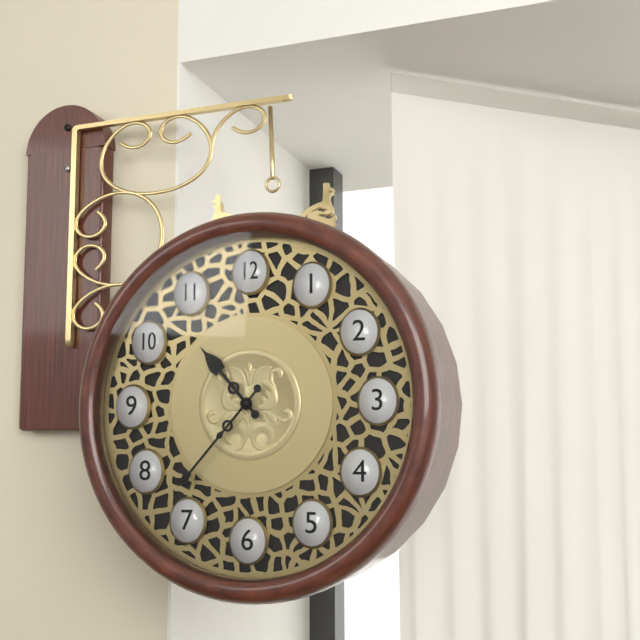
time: **10:37**
